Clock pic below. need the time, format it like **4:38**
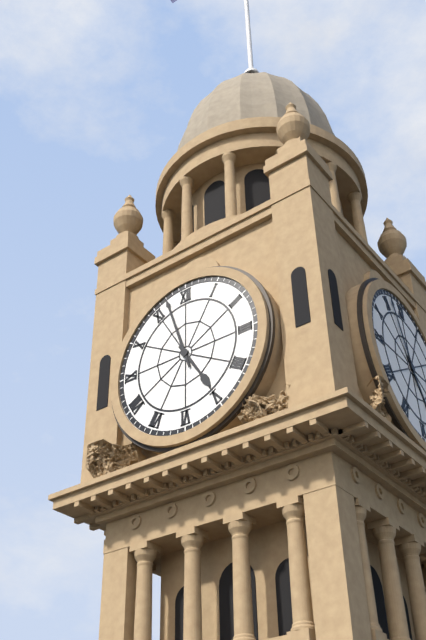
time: **4:57**
